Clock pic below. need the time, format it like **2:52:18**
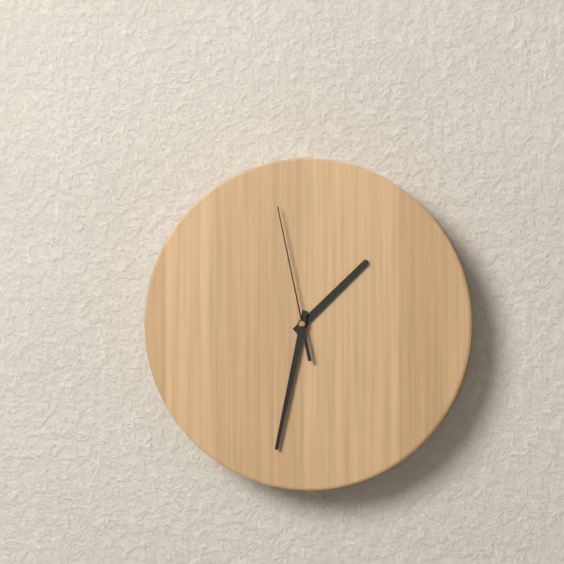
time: **1:32:58**
